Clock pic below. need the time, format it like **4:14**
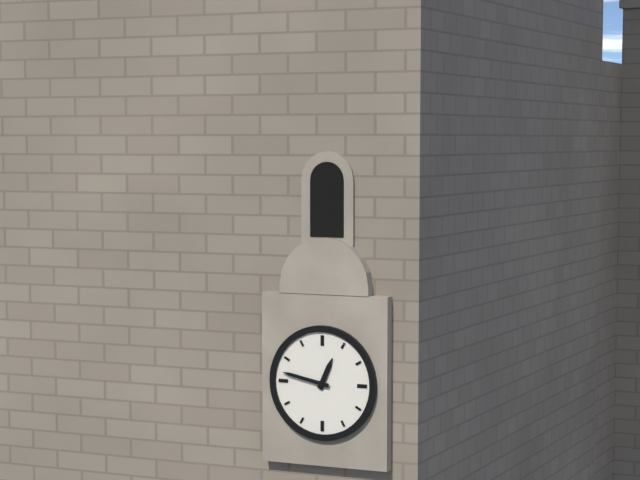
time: **12:47**
